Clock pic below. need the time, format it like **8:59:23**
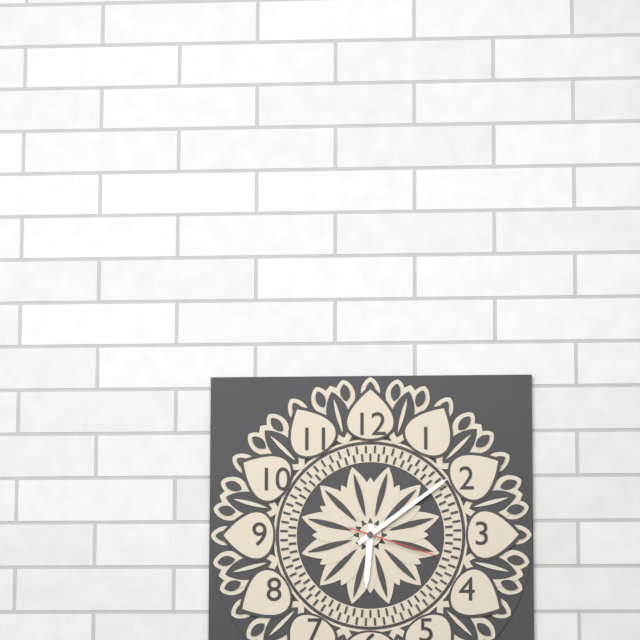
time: **6:09:18**
